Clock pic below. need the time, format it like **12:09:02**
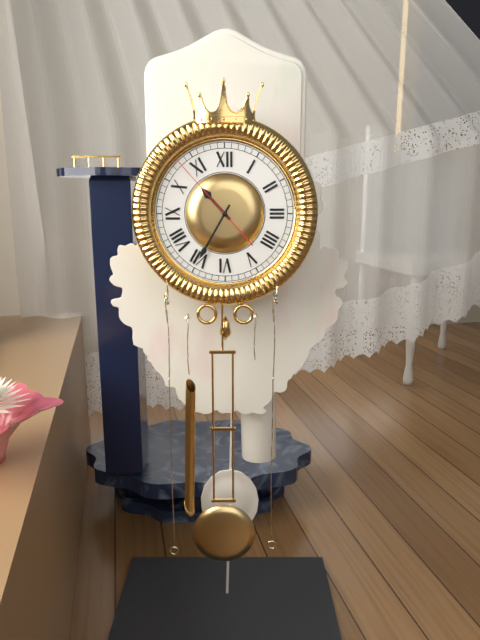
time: **10:35:53**
